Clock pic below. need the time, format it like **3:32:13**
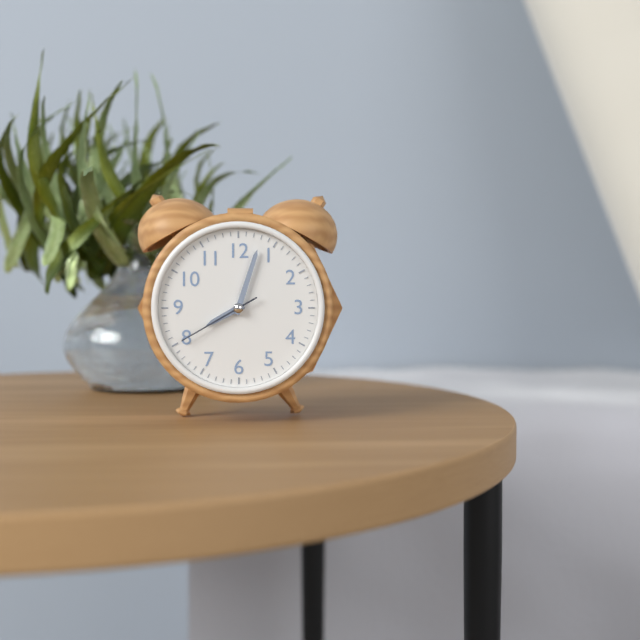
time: **8:03:40**
